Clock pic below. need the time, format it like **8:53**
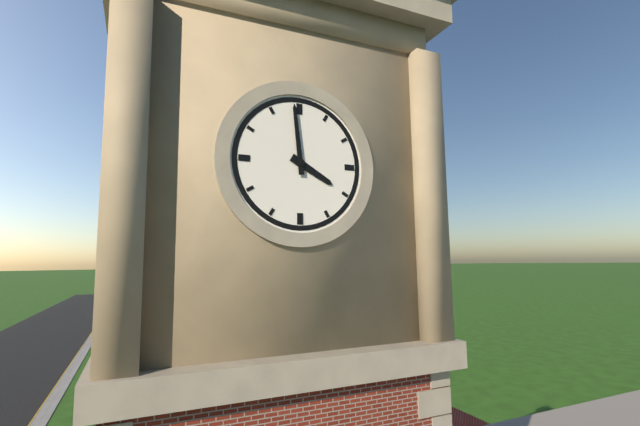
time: **3:59**
